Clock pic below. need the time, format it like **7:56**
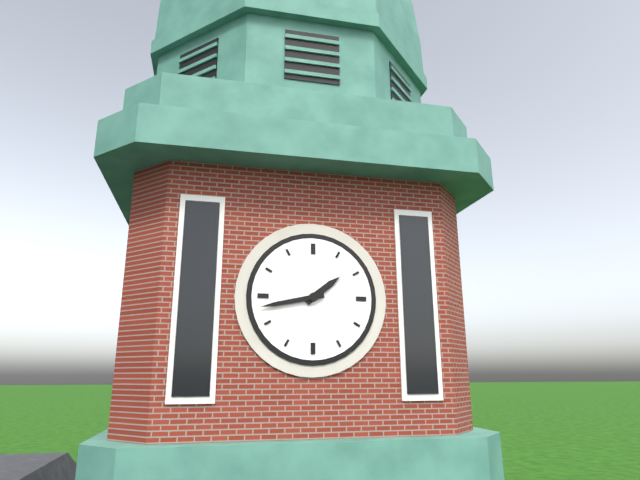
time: **1:43**
